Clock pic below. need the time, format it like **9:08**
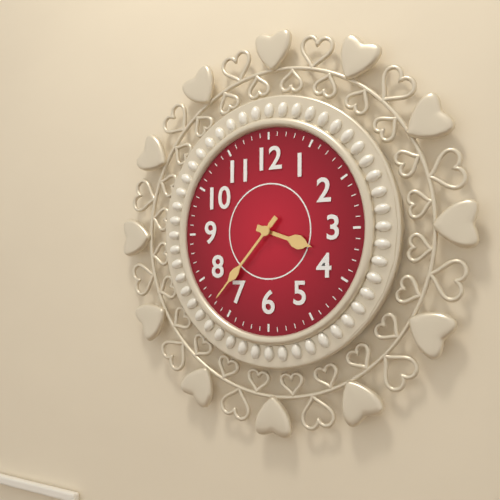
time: **3:37**
